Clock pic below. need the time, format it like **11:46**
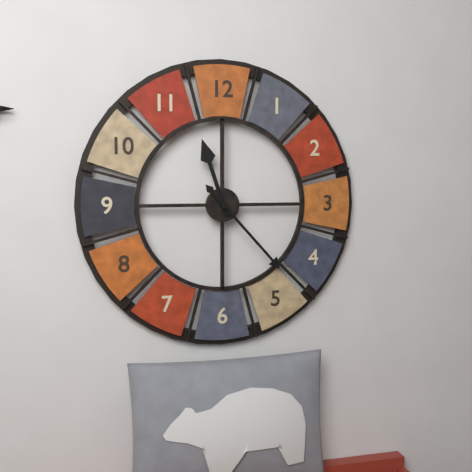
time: **11:23**
